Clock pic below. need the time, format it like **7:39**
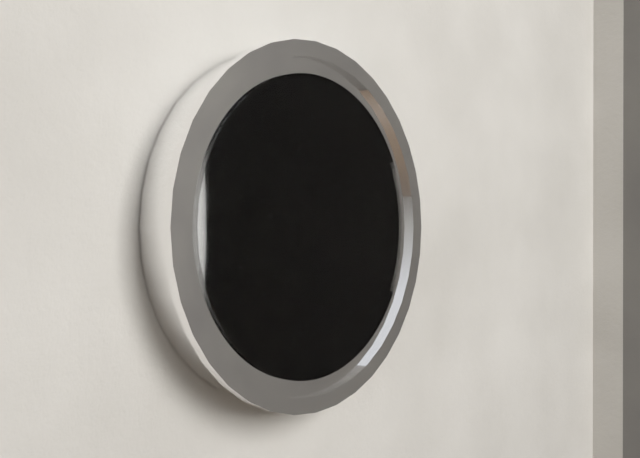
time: **7:15**
